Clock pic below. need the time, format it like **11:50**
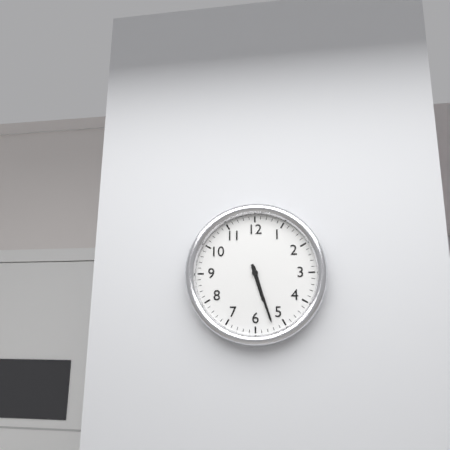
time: **5:27**
